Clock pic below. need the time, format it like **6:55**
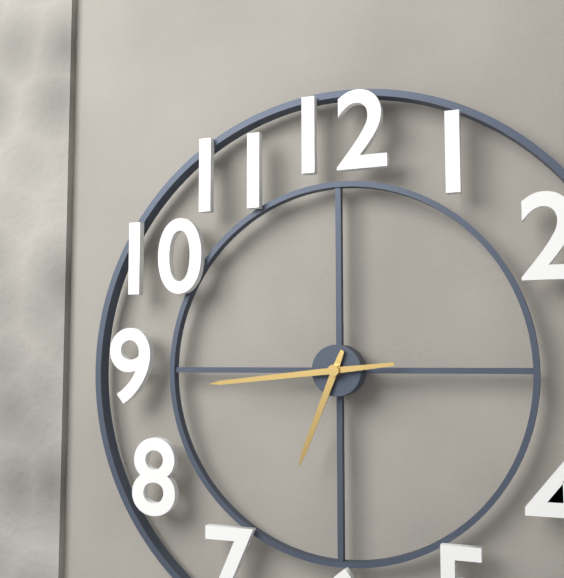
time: **6:44**
